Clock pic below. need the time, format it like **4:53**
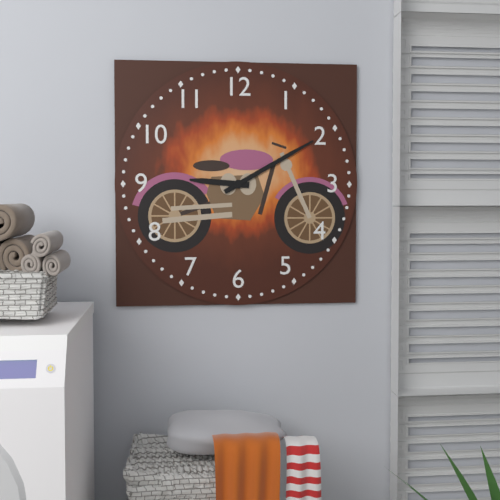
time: **9:10**
